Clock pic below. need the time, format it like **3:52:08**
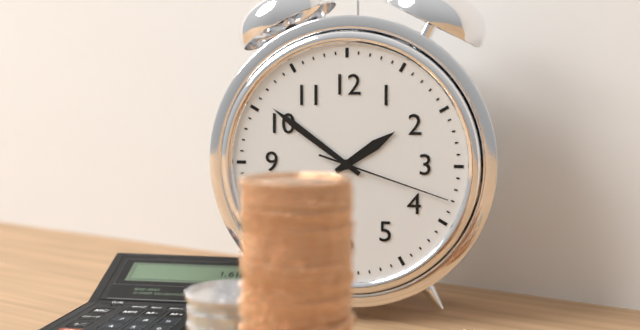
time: **1:51:18**
